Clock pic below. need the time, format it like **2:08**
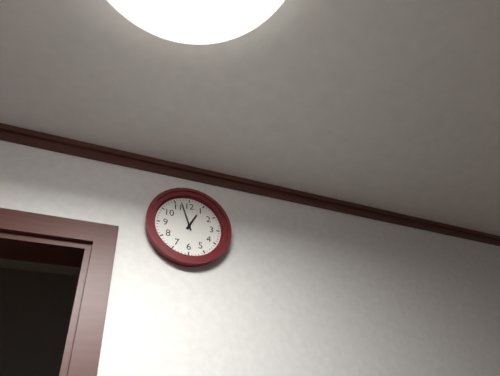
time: **12:57**
